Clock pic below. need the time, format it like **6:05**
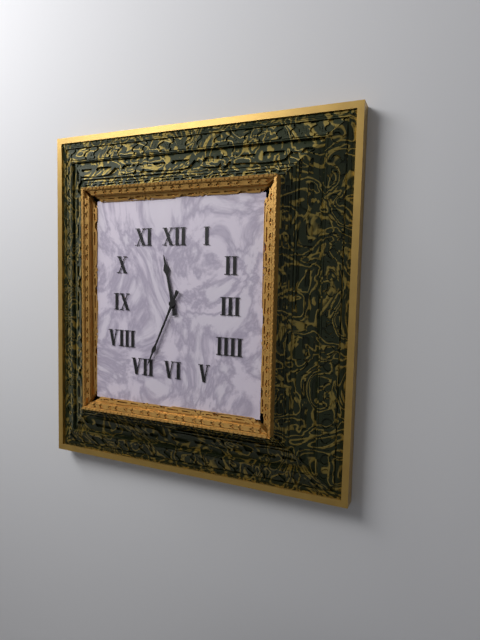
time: **11:34**
